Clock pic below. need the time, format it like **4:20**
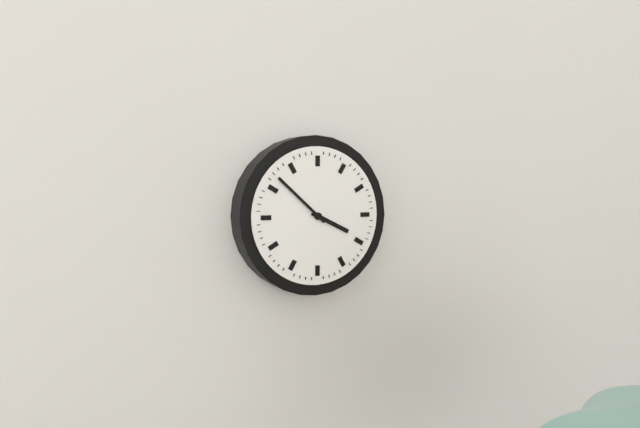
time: **3:52**
